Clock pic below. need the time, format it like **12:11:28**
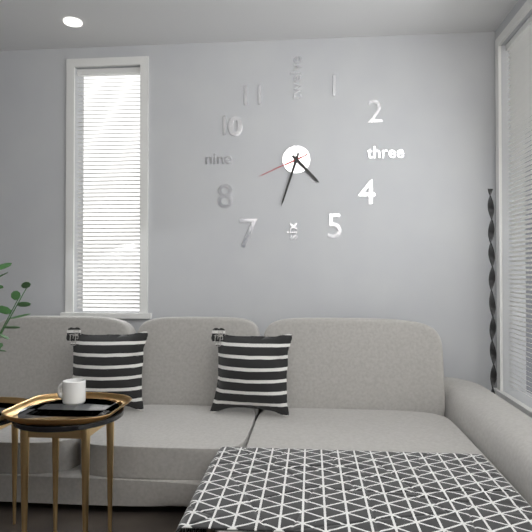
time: **4:33:41**
